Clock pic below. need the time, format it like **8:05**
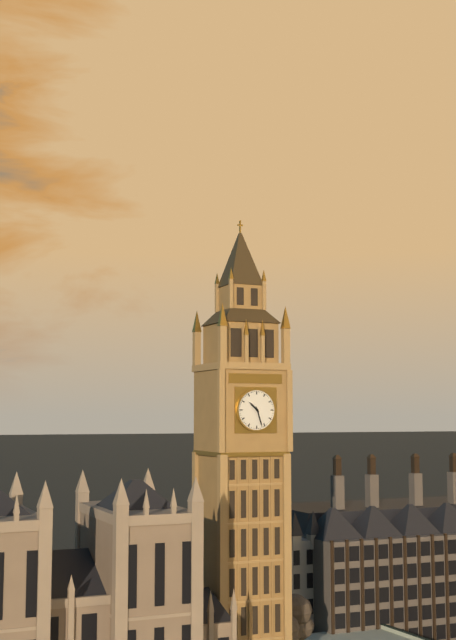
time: **10:27**
